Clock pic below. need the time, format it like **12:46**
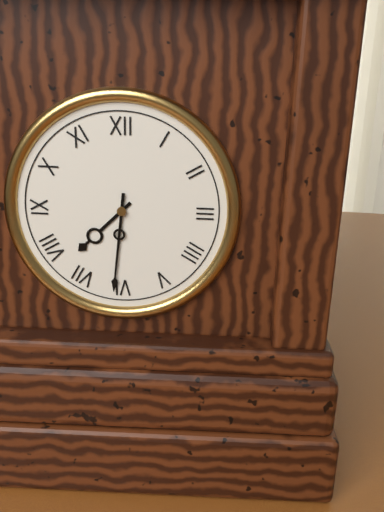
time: **7:31**
